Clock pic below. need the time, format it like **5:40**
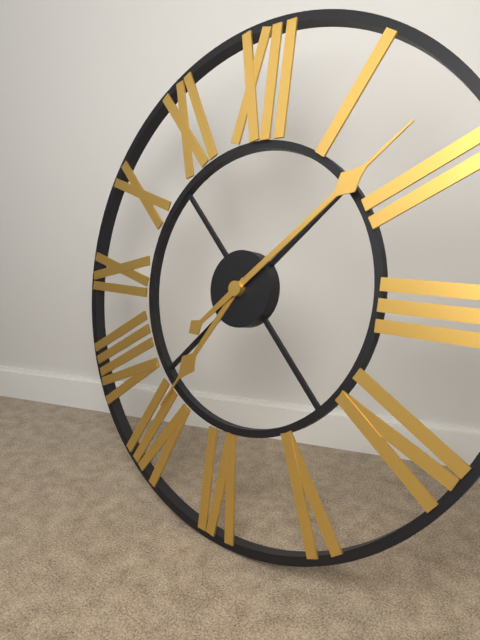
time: **7:08**
